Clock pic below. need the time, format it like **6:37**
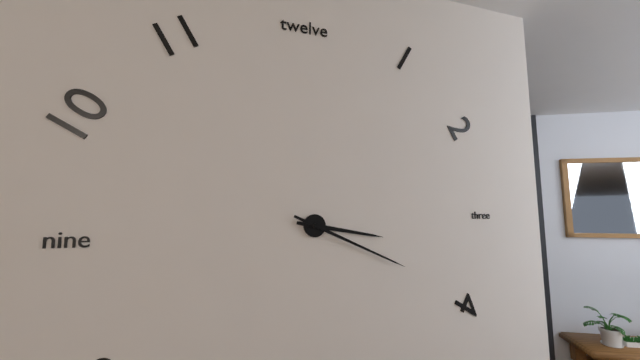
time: **3:19**
